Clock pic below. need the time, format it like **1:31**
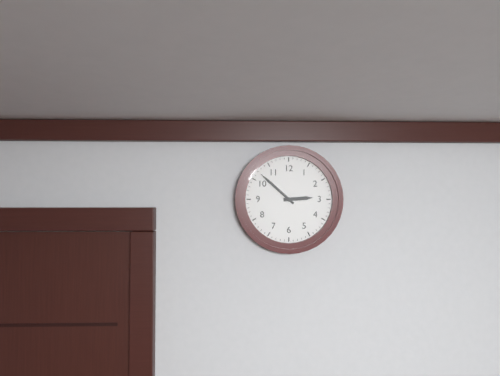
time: **2:52**
